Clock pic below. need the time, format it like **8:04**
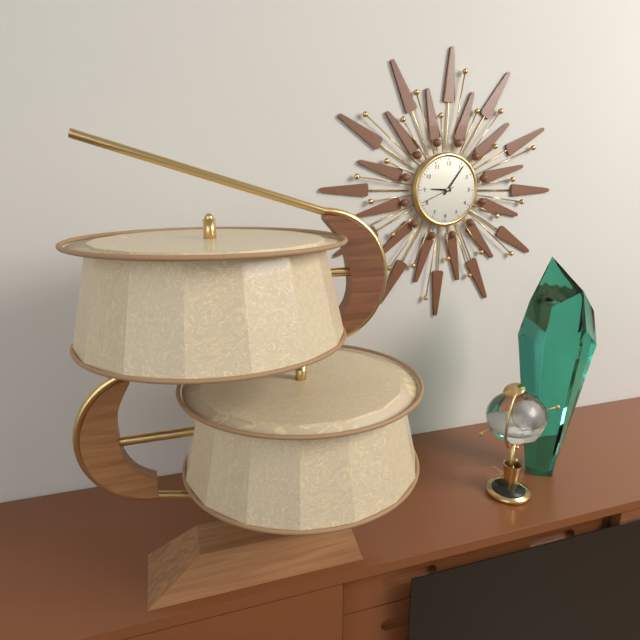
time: **9:06**
